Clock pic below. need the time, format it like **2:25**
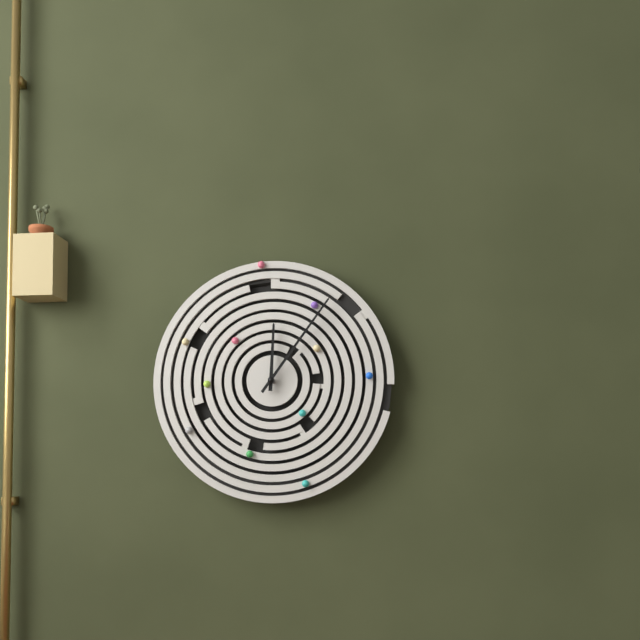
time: **12:06**
